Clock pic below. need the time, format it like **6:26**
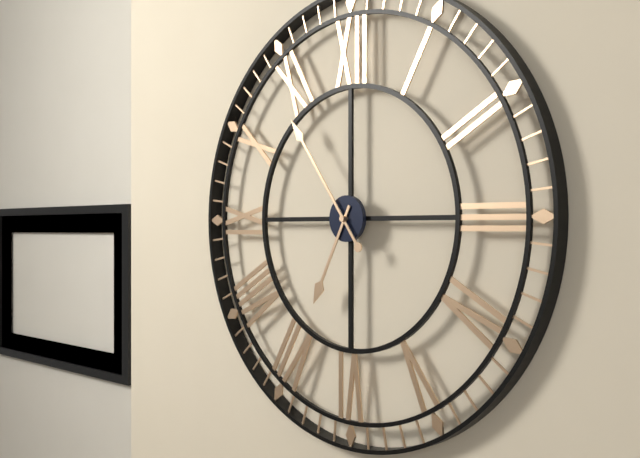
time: **6:54**
